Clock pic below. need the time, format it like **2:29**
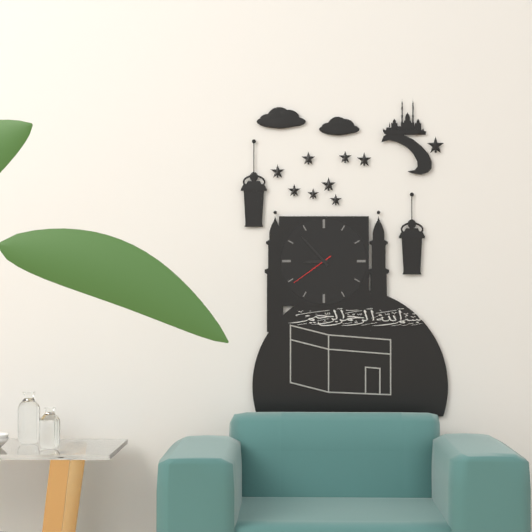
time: **8:53**
